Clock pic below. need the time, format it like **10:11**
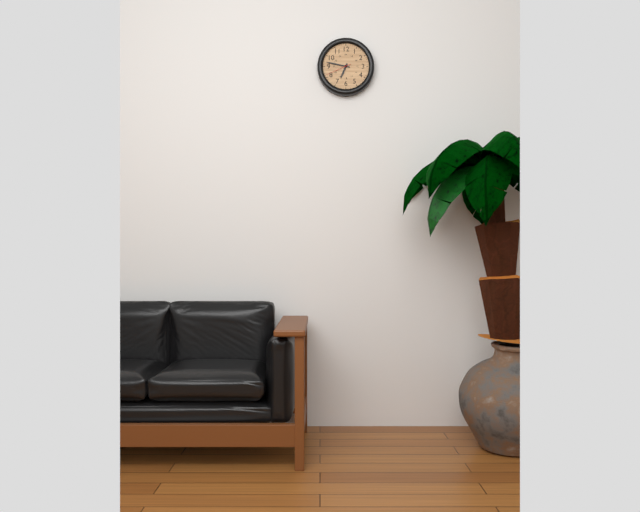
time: **6:47**
